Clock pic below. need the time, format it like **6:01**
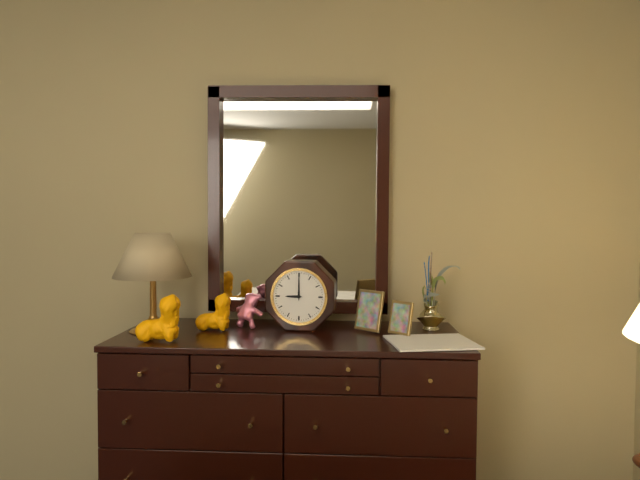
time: **9:00**
